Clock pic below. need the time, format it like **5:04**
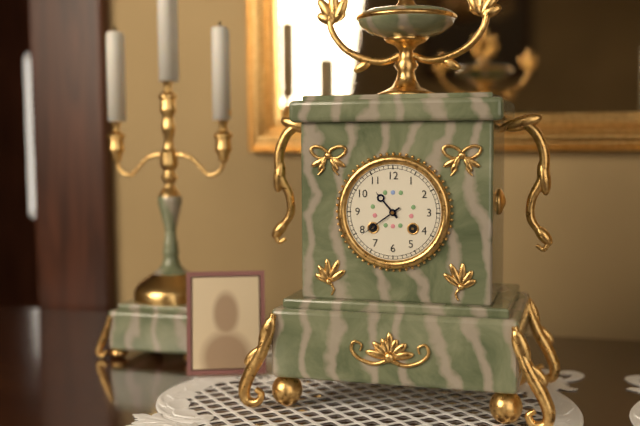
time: **10:39**
